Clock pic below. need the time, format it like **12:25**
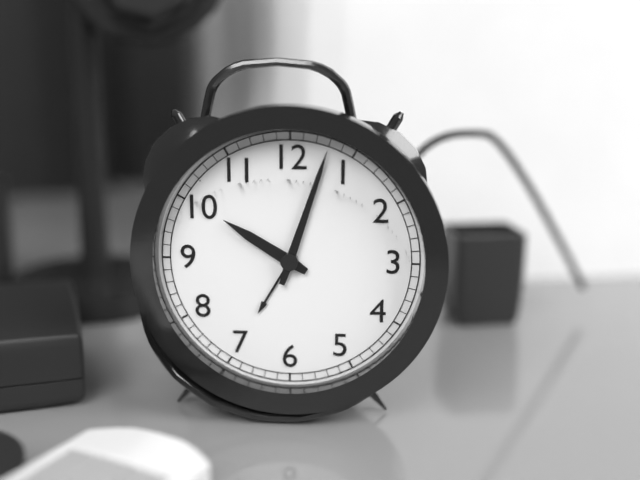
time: **10:03**
